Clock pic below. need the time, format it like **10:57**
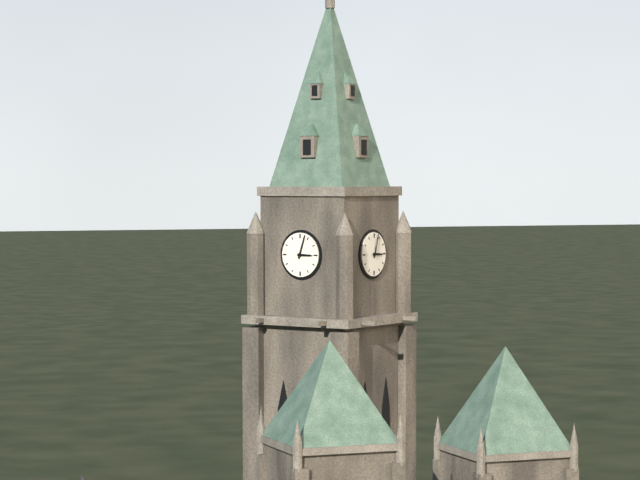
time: **3:03**
